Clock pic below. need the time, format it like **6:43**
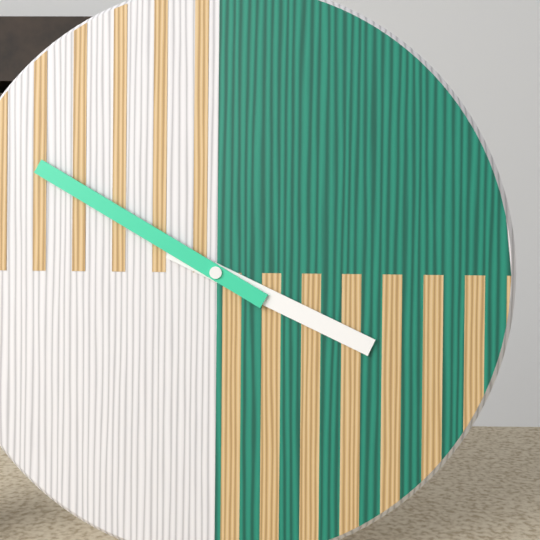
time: **3:50**
